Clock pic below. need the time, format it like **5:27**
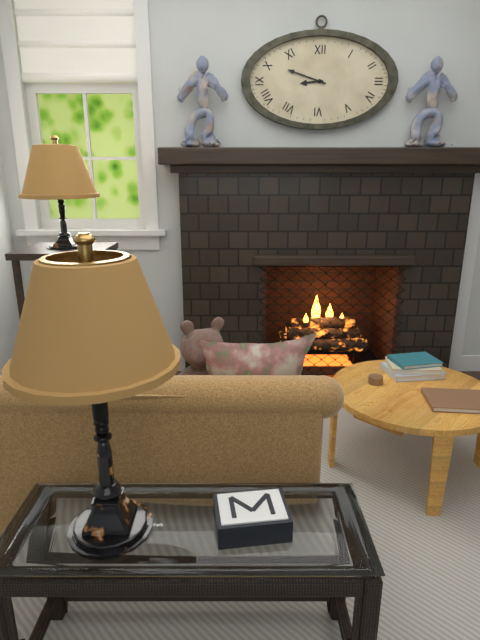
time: **8:48**
